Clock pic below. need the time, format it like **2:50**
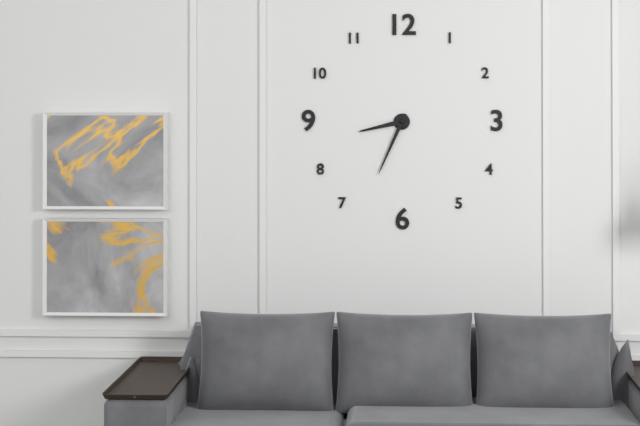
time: **8:34**
